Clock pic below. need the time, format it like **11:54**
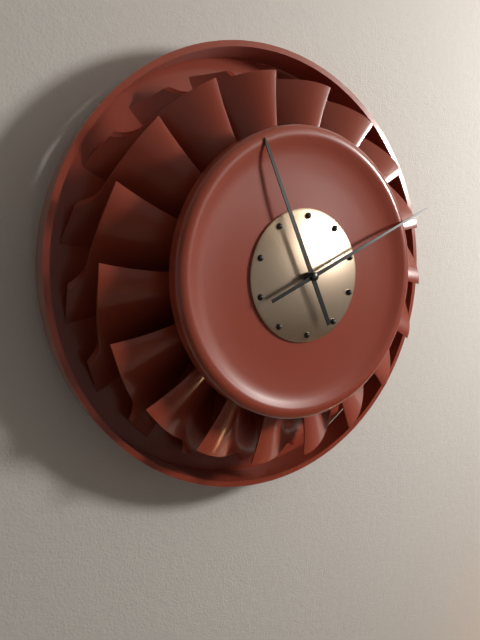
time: **11:11**
